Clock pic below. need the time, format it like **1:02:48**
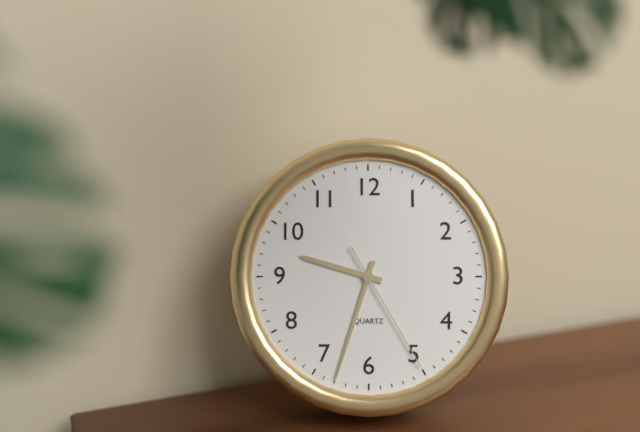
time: **9:33:25**
